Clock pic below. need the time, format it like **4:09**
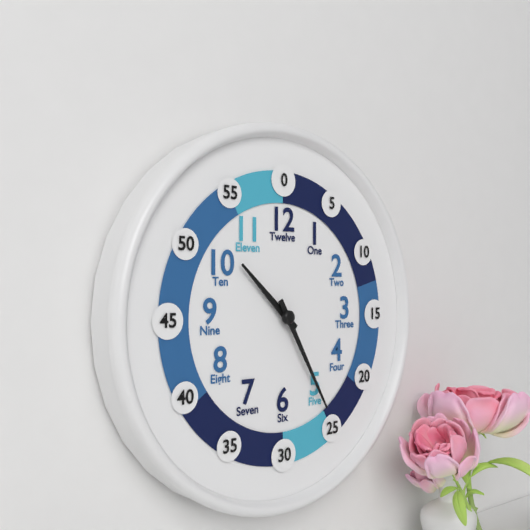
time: **10:25**
